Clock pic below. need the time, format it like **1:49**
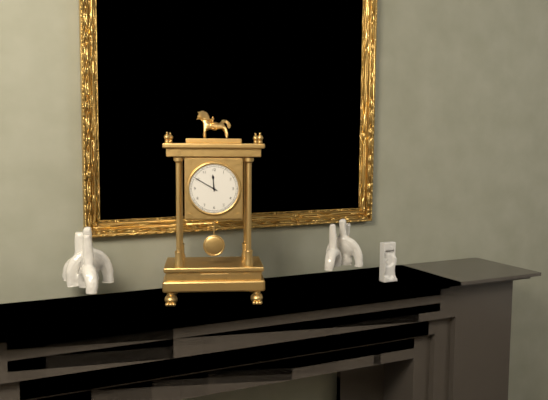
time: **11:50**
